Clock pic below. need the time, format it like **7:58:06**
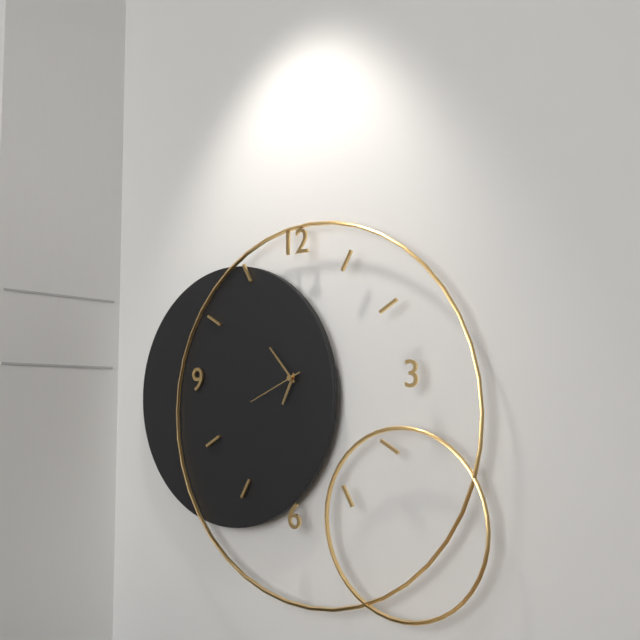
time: **6:53:41**
